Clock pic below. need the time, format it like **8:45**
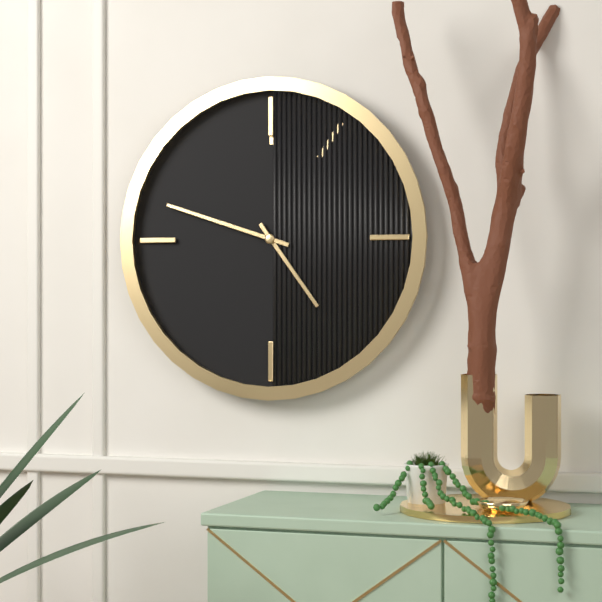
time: **4:48**
